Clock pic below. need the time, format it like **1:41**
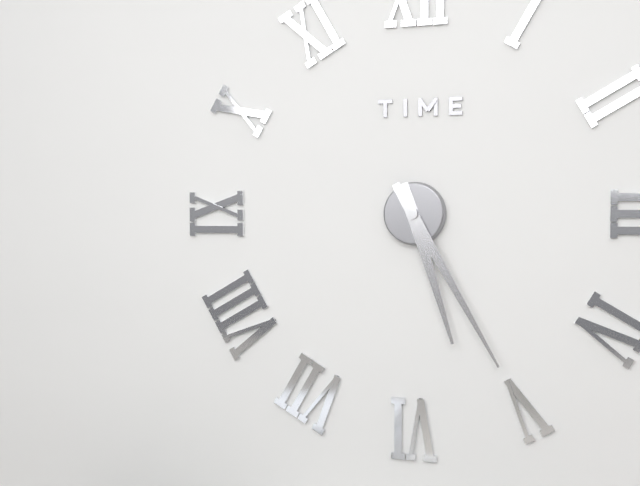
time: **5:25**
